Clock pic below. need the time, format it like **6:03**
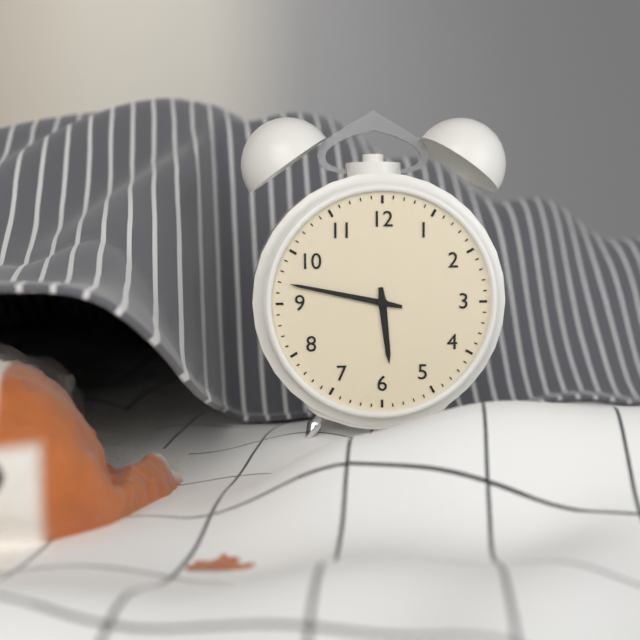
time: **5:47**
